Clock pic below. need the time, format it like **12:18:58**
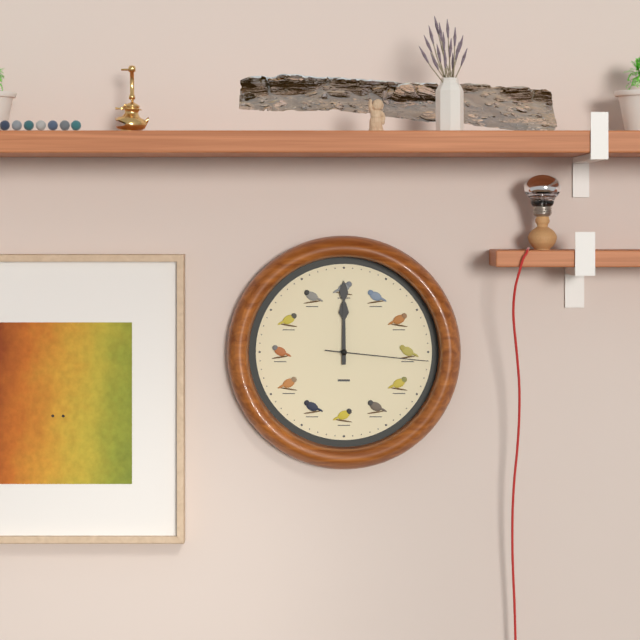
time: **12:00:16**
